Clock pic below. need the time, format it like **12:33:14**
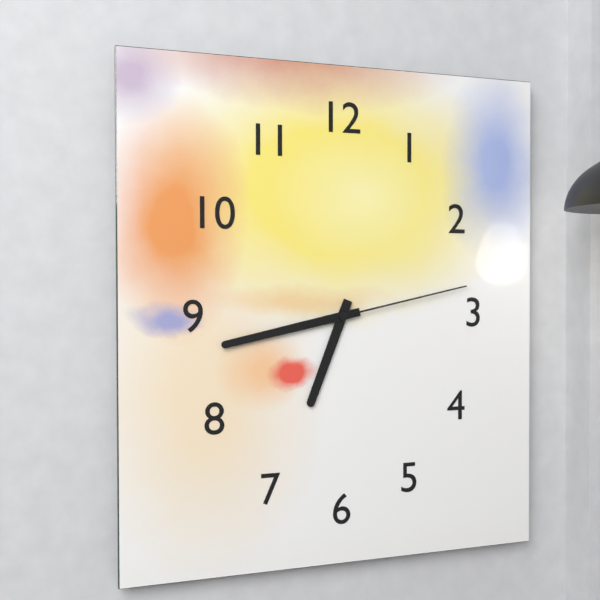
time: **6:43:13**
